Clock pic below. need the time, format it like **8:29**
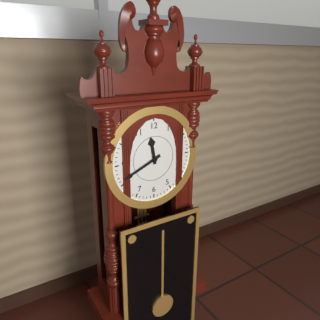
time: **11:41**
